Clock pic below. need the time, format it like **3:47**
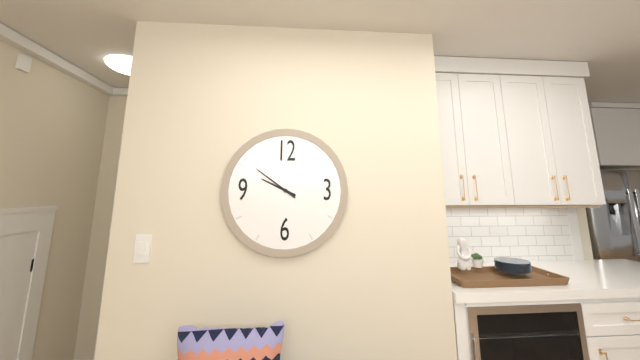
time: **9:51**
